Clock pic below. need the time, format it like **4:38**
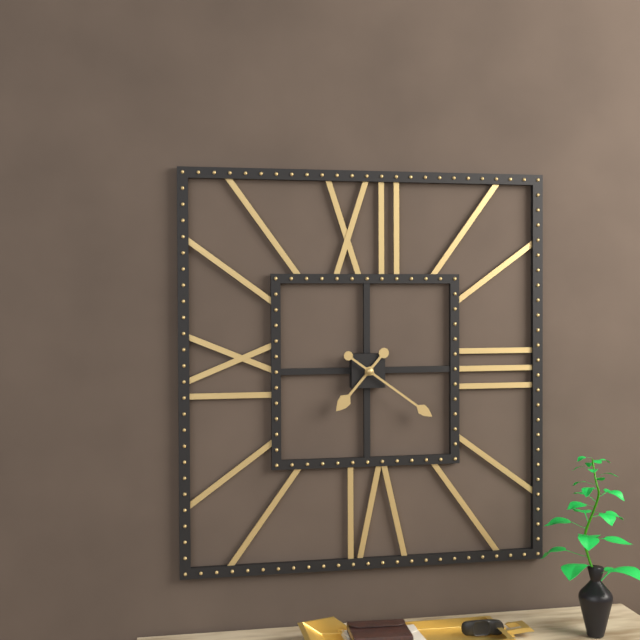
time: **7:21**
